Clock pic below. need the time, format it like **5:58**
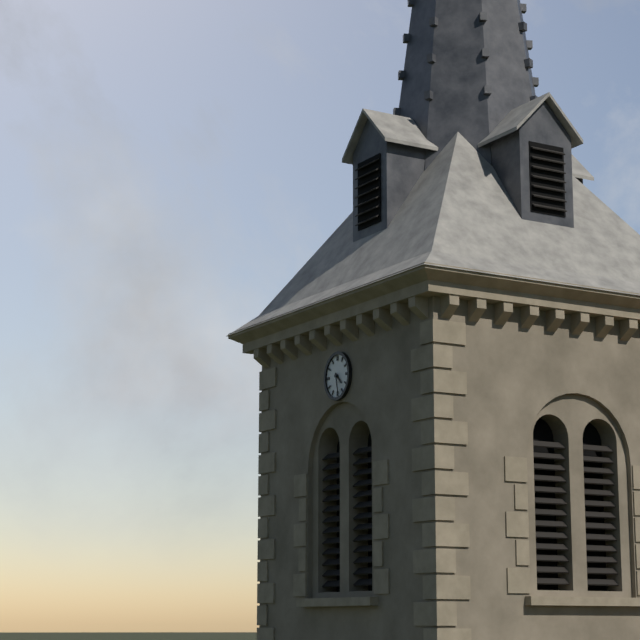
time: **4:28**
